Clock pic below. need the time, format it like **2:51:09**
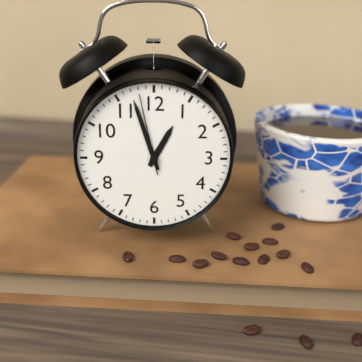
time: **12:57:58**
